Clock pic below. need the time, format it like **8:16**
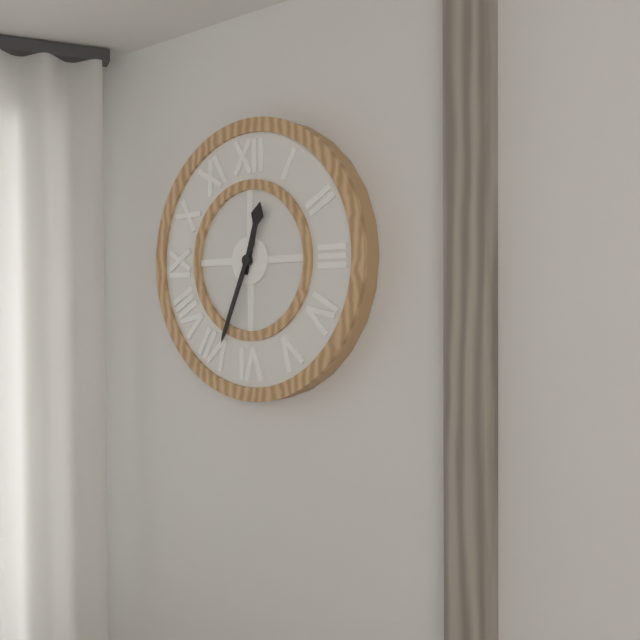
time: **12:34**
